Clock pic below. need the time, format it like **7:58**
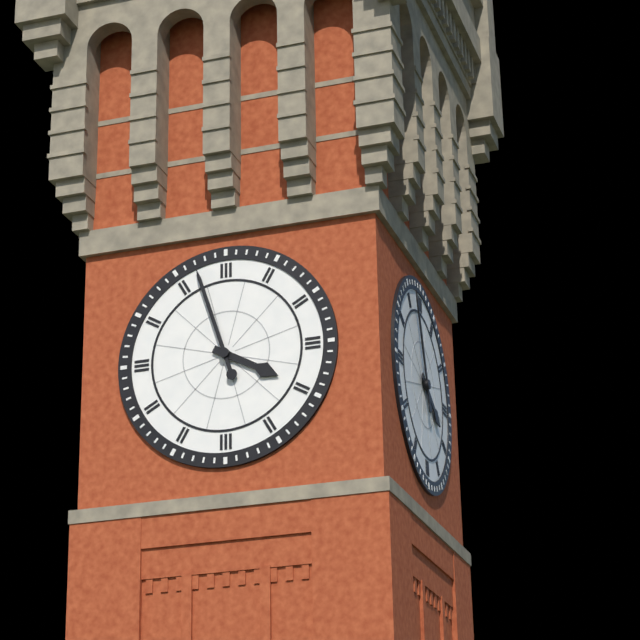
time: **3:57**
